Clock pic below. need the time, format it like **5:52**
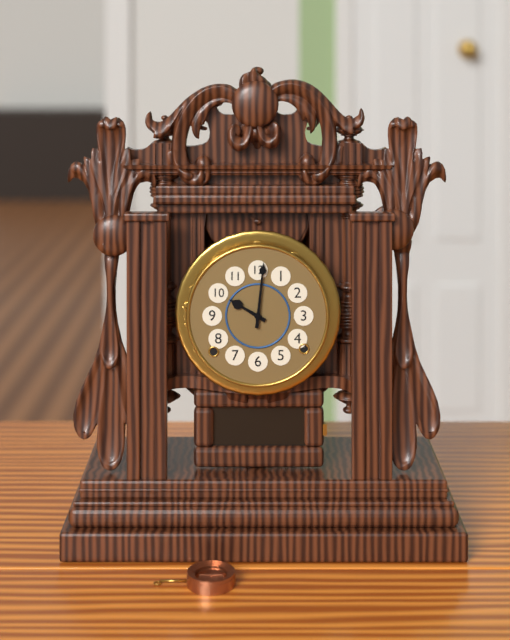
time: **10:01**
